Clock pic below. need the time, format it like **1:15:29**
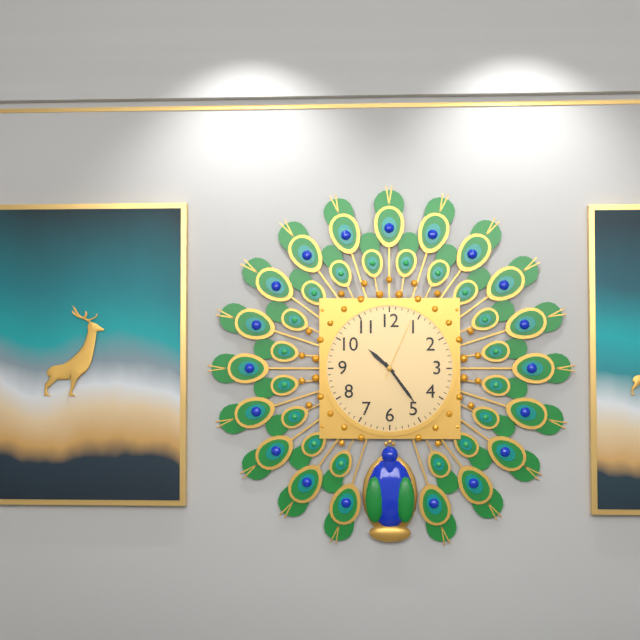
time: **10:24:04**
